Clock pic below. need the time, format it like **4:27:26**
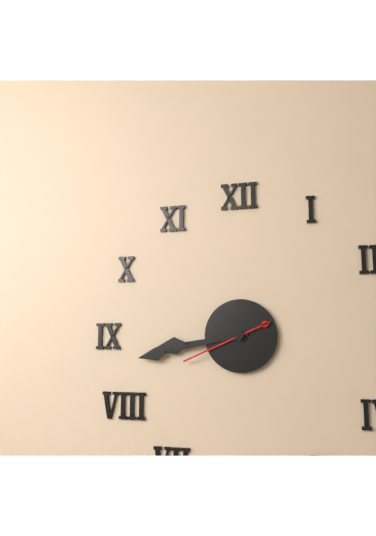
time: **8:43:41**
